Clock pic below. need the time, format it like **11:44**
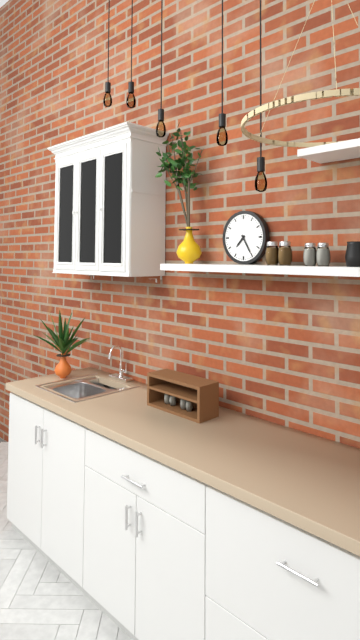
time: **7:25**
